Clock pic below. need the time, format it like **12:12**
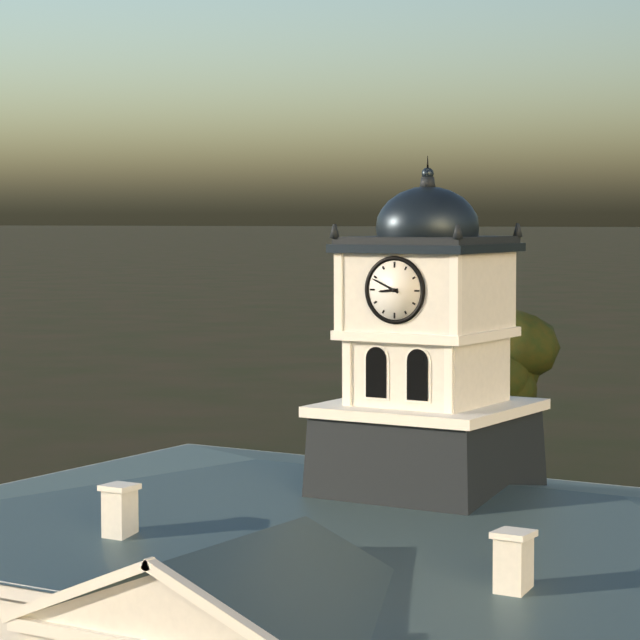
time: **8:49**
